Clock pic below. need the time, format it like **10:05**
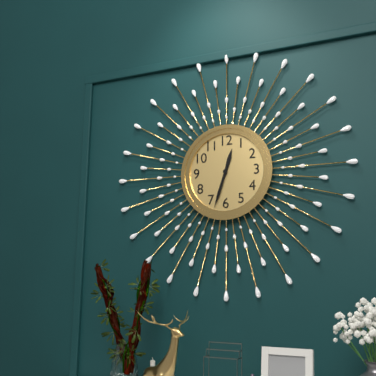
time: **12:33**
